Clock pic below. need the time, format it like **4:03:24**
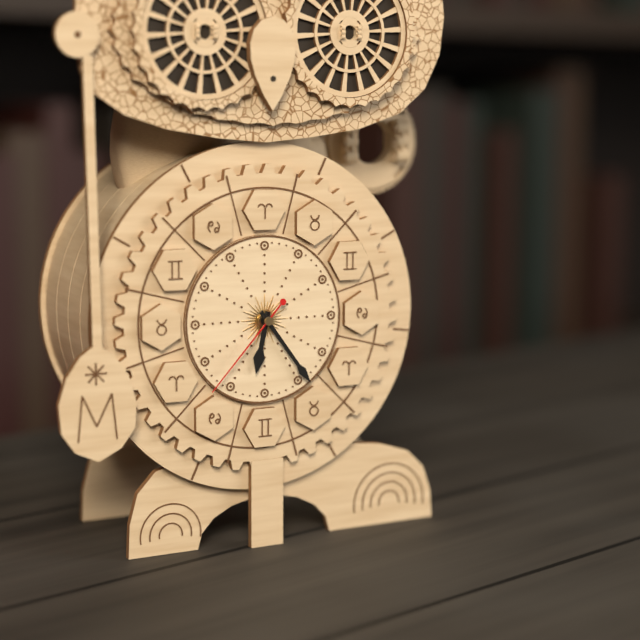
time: **6:24:37**
